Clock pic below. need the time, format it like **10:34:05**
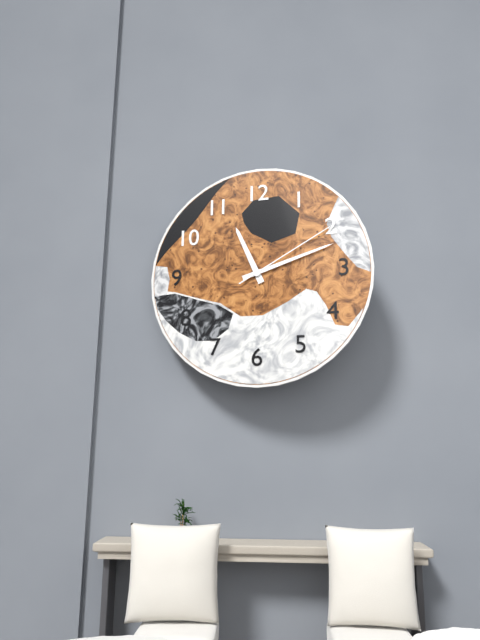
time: **11:12:10**
